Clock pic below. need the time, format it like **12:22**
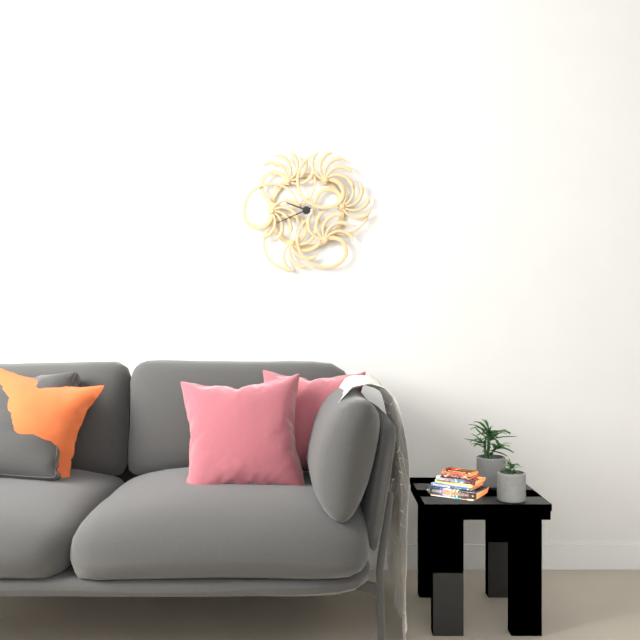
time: **9:41**
